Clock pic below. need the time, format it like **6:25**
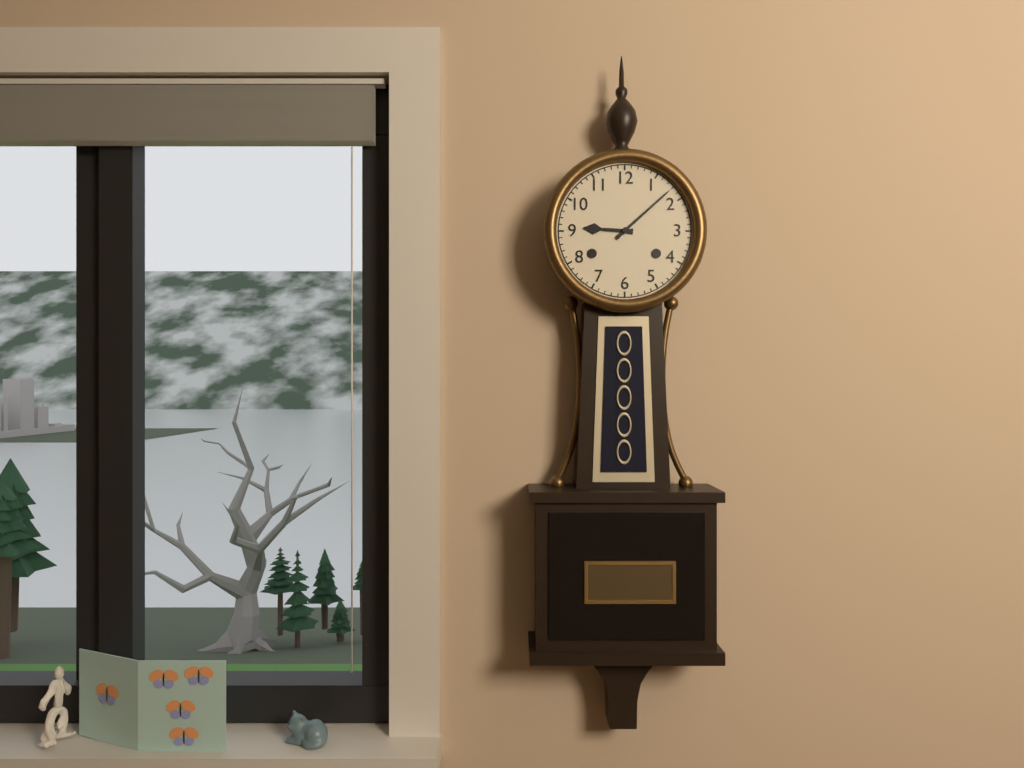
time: **9:08**
